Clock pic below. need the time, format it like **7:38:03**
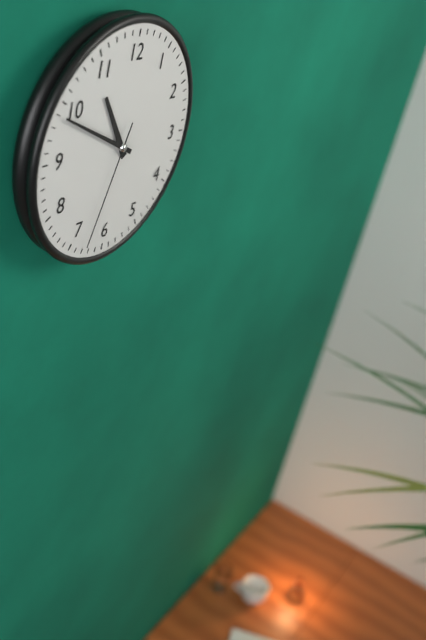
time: **10:49:33**
